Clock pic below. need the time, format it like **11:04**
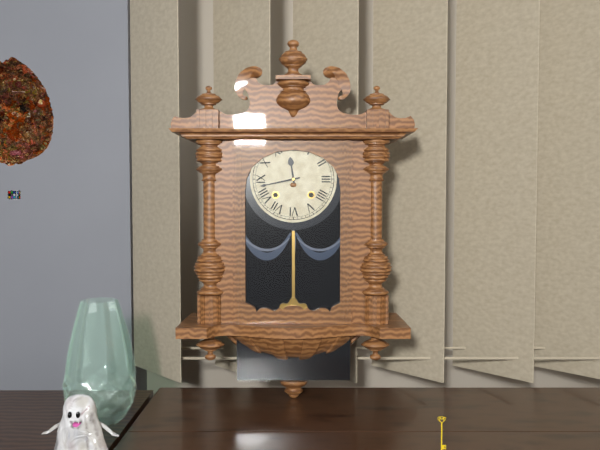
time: **11:43**
